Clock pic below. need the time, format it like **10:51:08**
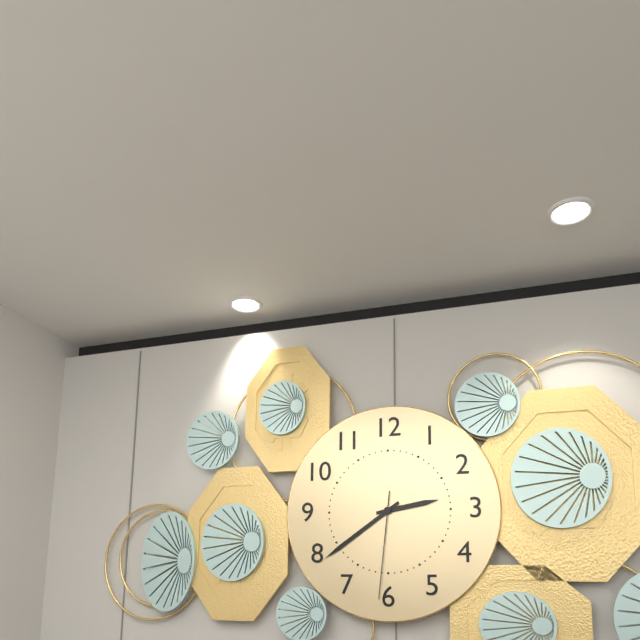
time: **2:39:31**
